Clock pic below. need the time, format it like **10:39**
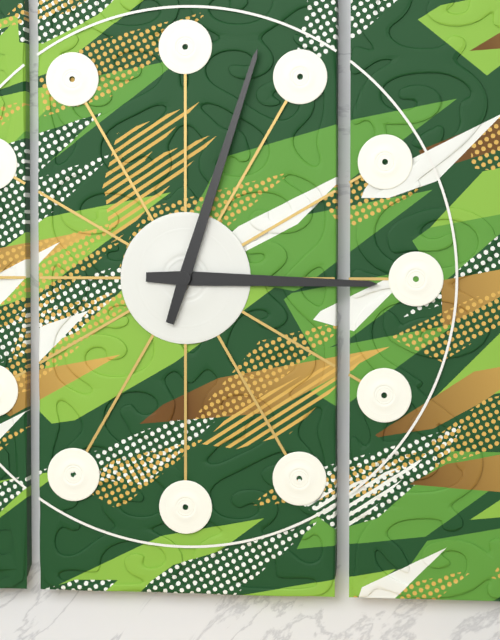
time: **3:03**
